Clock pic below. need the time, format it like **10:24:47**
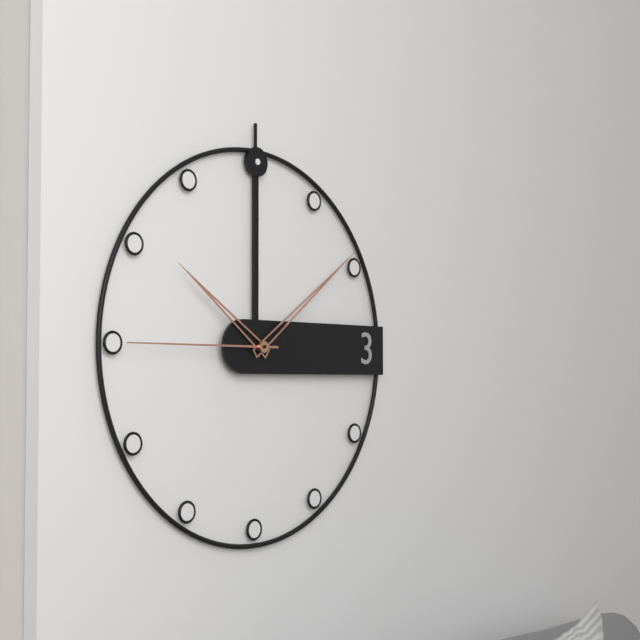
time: **10:09:45**
